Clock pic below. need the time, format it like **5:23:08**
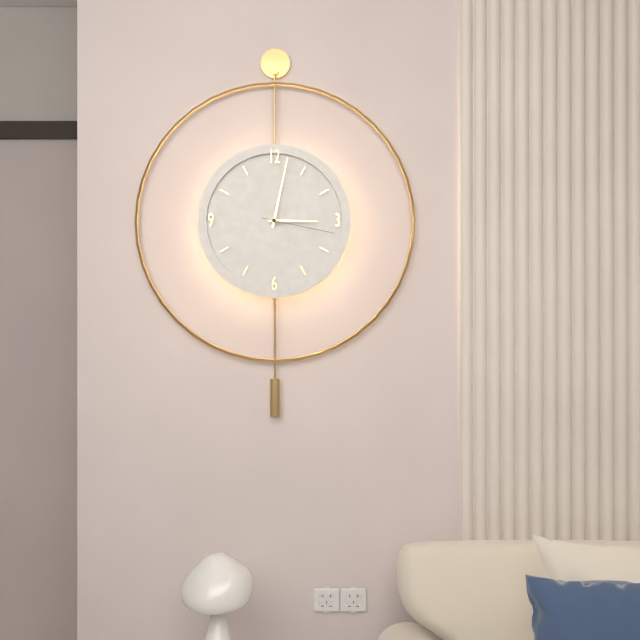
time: **3:02:17**
